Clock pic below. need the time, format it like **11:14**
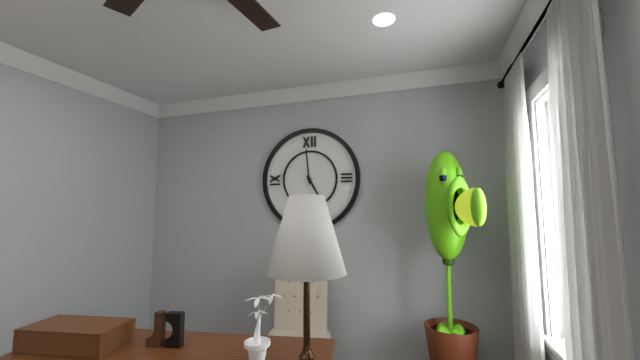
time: **4:59**
